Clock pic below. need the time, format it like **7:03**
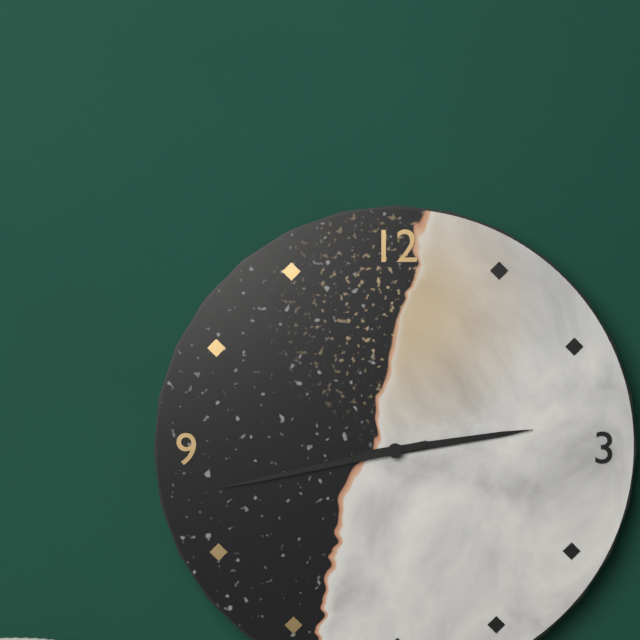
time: **2:43**
